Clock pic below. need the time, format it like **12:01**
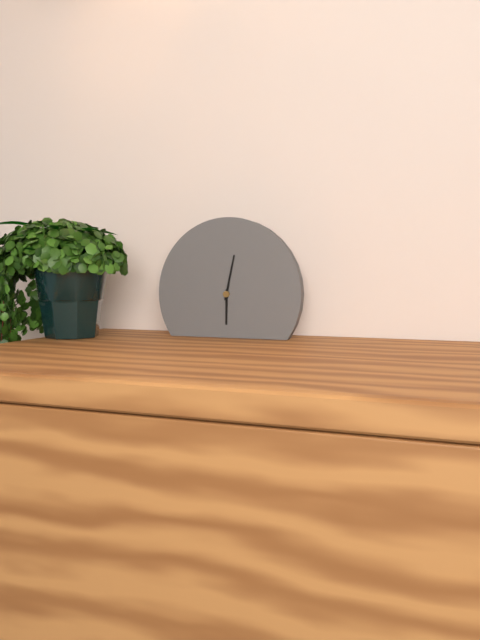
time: **6:02**
